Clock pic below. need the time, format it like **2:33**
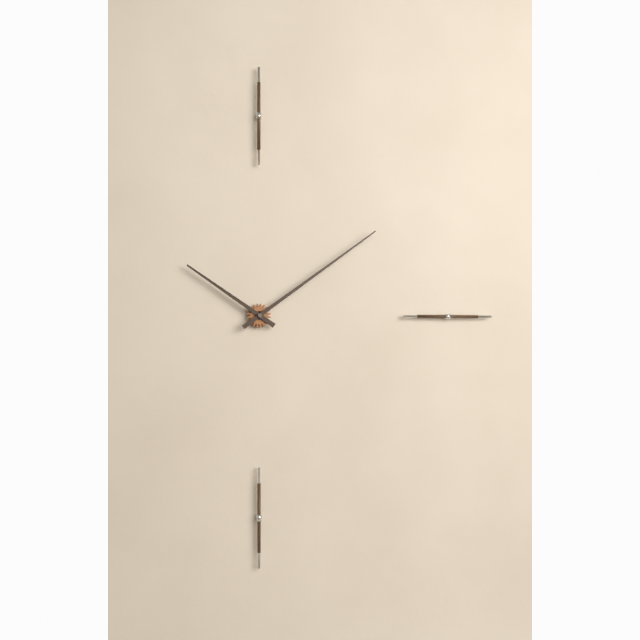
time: **10:09**
